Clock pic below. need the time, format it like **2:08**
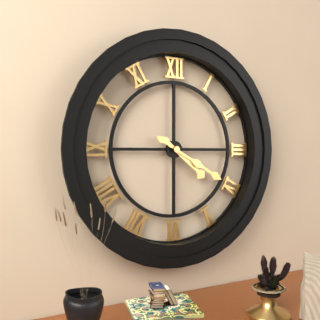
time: **4:20**
